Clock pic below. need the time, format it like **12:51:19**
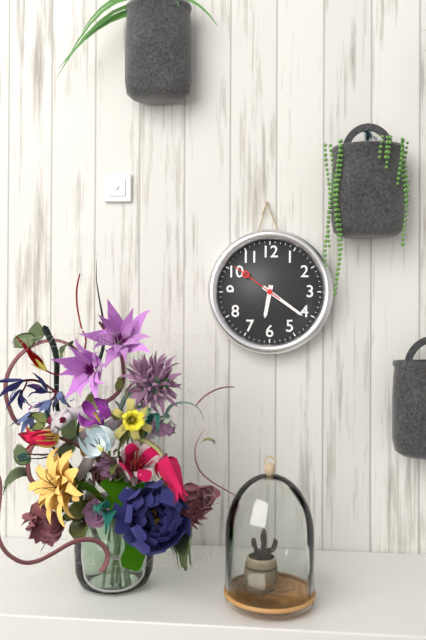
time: **6:21:51**
